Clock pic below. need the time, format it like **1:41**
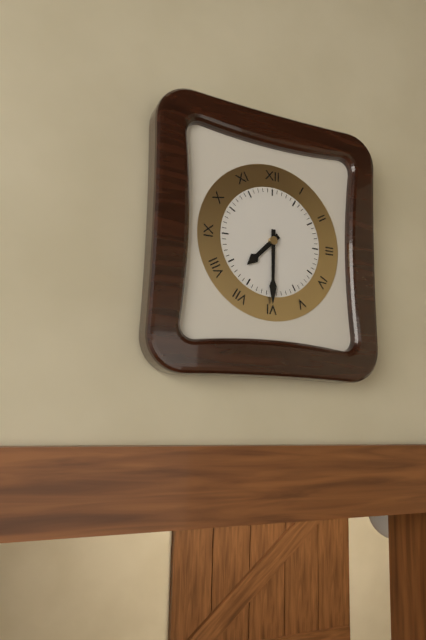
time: **7:30**
